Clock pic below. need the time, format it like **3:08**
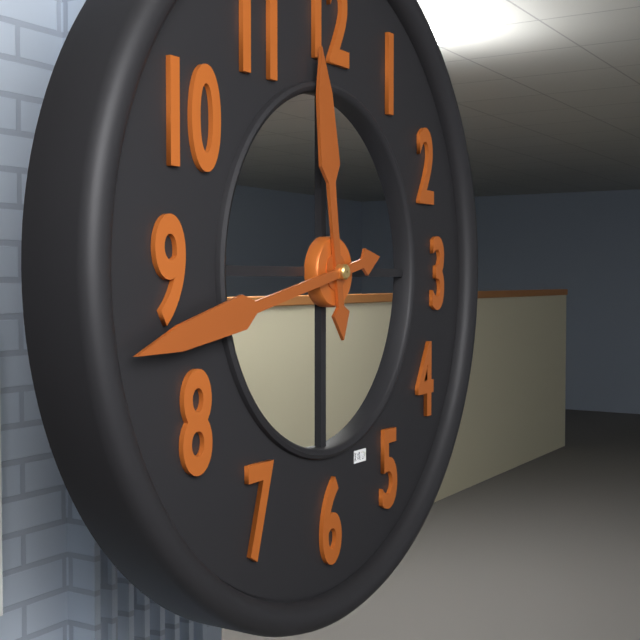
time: **11:43**
